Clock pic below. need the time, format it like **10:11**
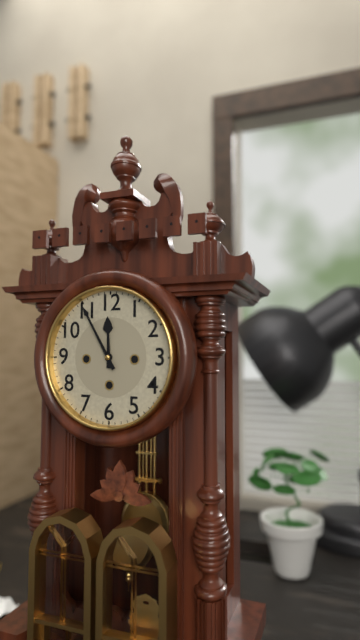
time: **11:55**
